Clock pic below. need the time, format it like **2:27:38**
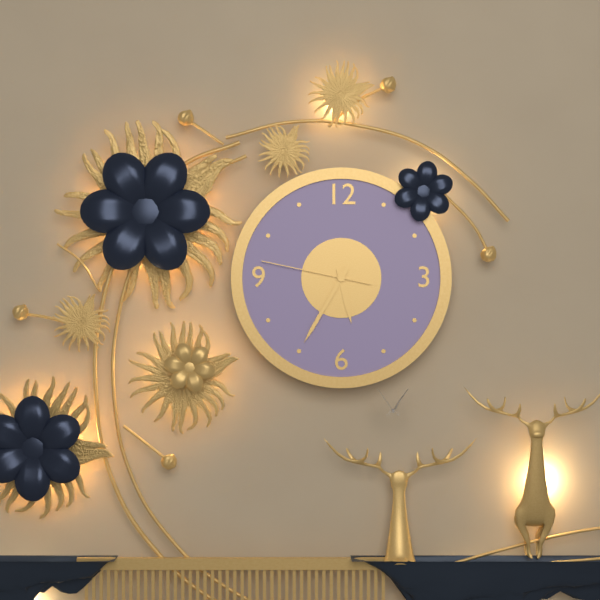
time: **5:35:47**
